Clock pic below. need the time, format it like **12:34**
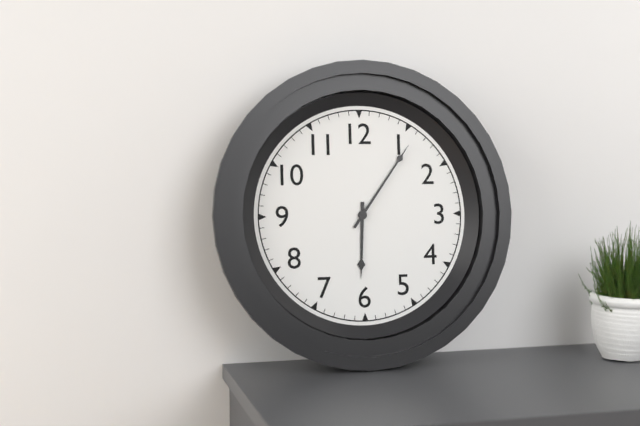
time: **6:06**
